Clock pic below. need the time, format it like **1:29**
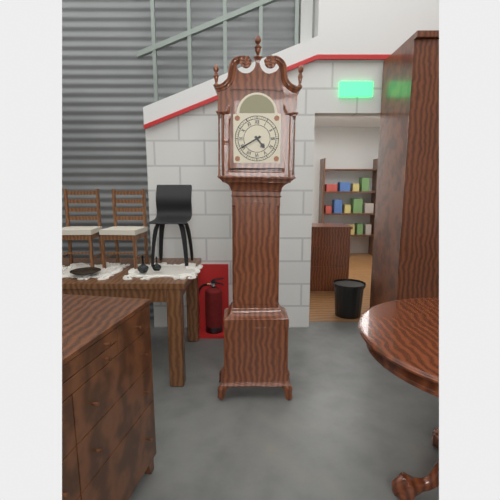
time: **4:40**
